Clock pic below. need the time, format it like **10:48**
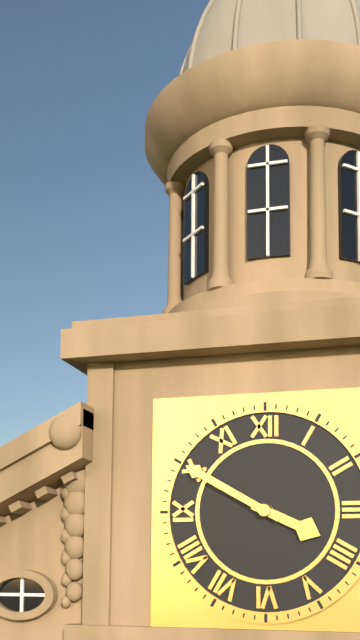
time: **3:50**
